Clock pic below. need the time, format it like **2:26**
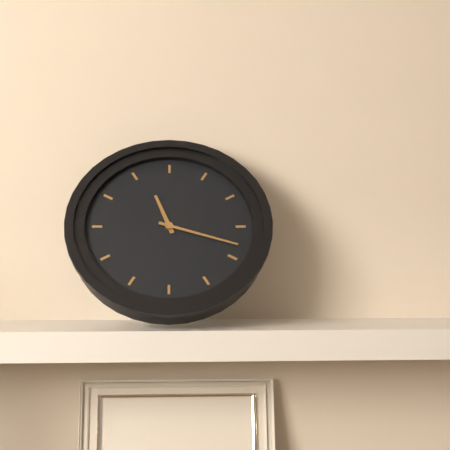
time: **11:18**
